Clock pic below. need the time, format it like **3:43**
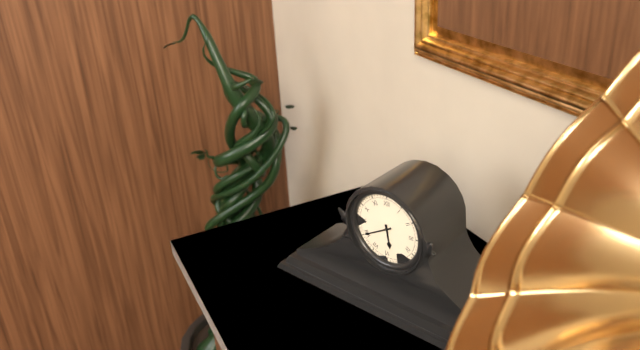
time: **5:40**
